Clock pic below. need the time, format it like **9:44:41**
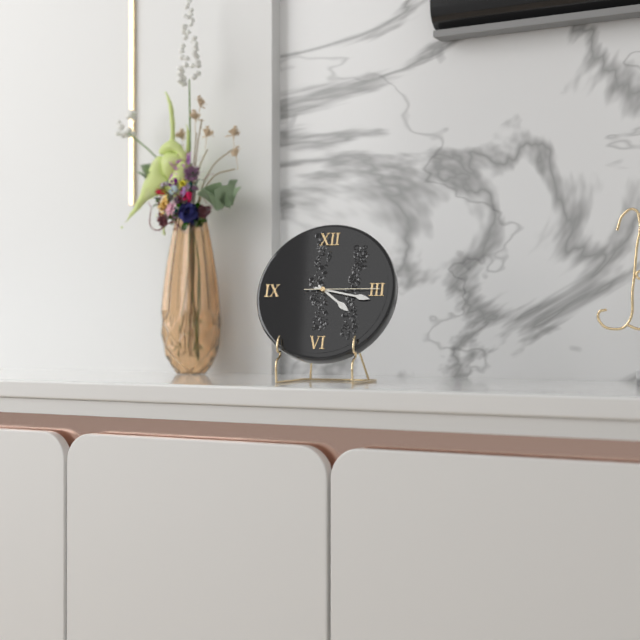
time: **4:17:15**
